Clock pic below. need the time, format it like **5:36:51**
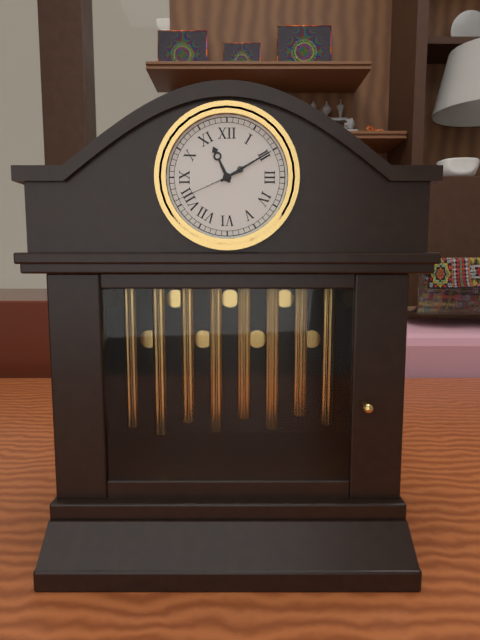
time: **11:10:41**
